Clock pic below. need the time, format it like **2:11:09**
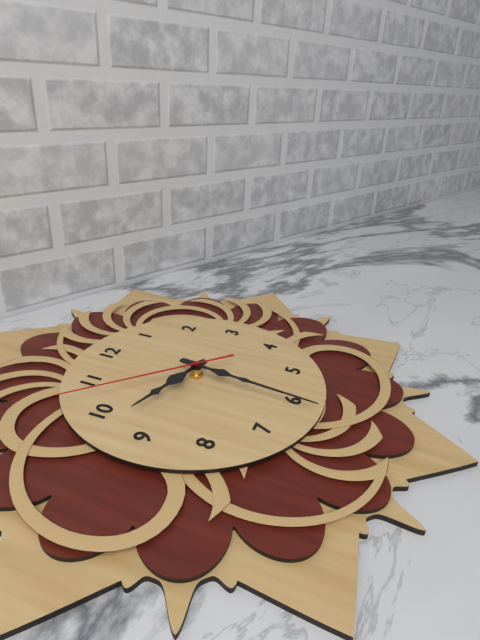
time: **9:31:52**
